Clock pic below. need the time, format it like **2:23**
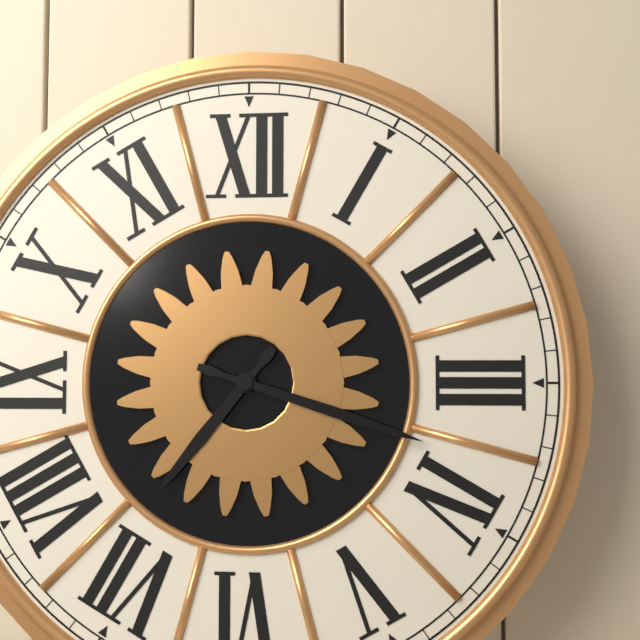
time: **7:18**
